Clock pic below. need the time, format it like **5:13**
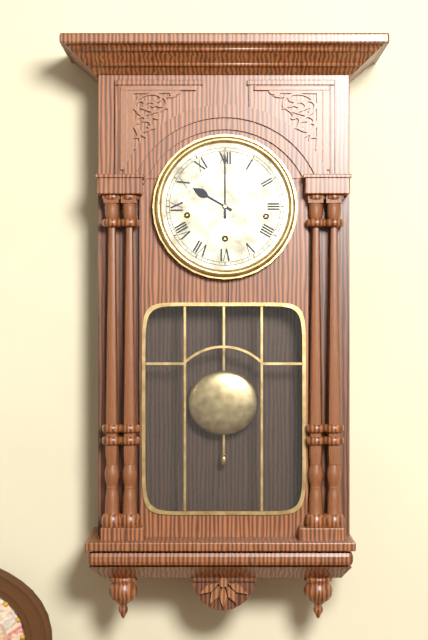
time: **10:00**
